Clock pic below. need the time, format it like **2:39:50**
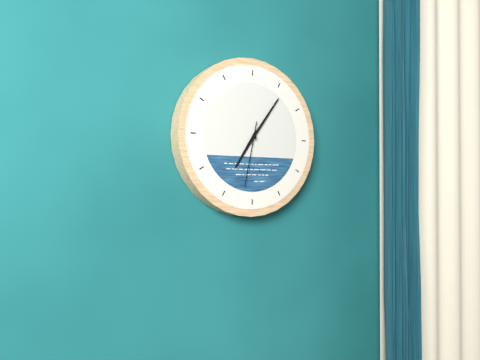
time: **7:06:32**
